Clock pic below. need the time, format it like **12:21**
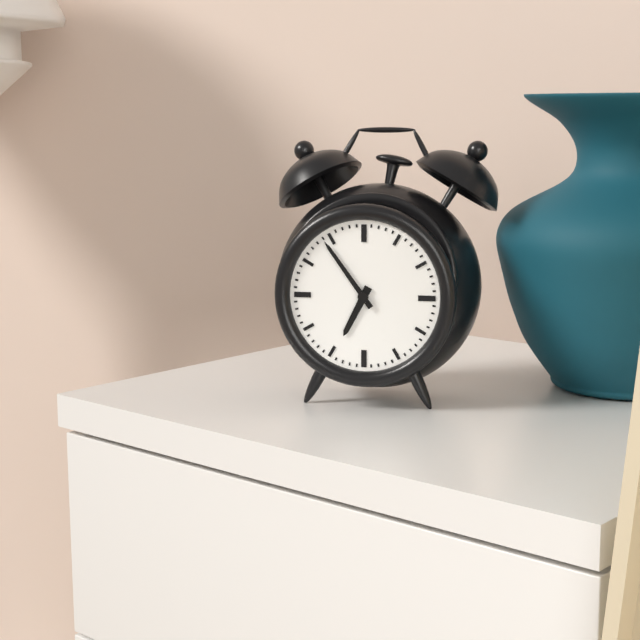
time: **6:54**
